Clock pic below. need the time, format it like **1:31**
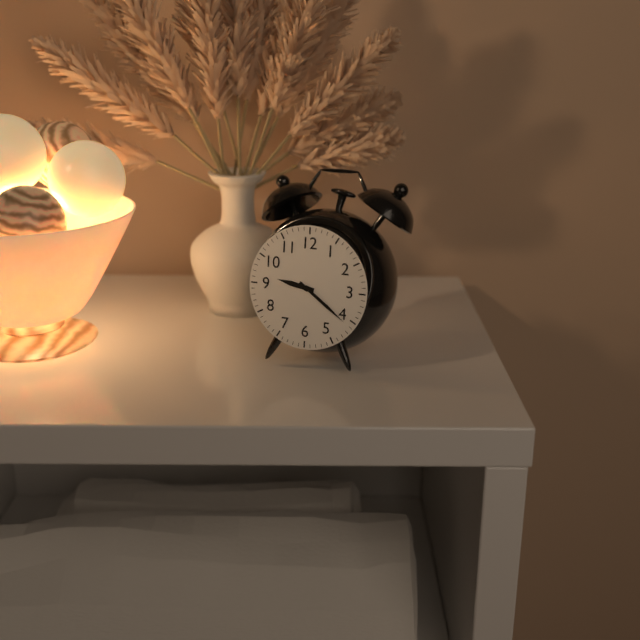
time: **9:21**
